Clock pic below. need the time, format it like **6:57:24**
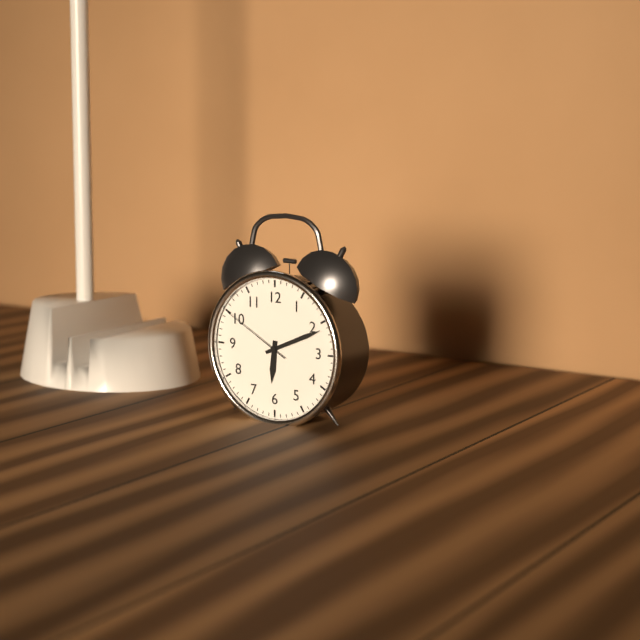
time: **6:11:50**
